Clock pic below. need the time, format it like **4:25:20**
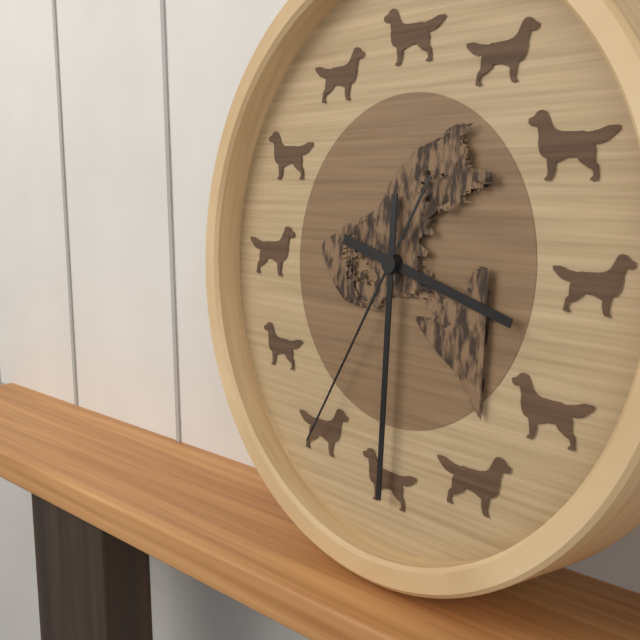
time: **3:30:35**
